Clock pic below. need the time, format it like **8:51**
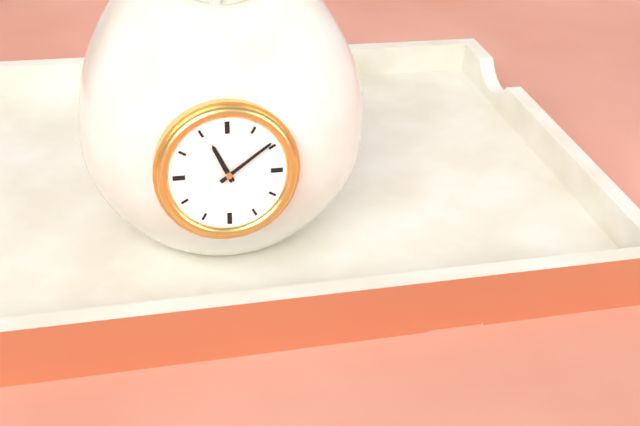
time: **11:09**
